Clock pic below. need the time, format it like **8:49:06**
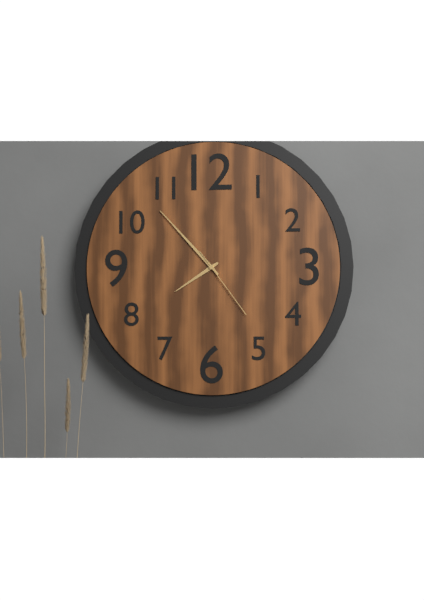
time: **7:53:24**
